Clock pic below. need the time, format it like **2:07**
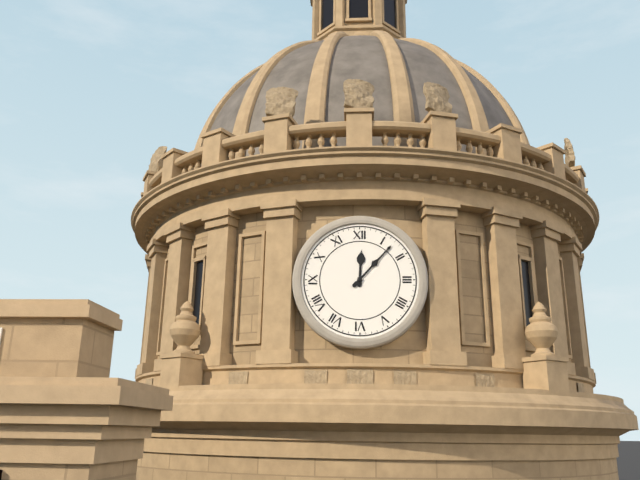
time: **12:07**
